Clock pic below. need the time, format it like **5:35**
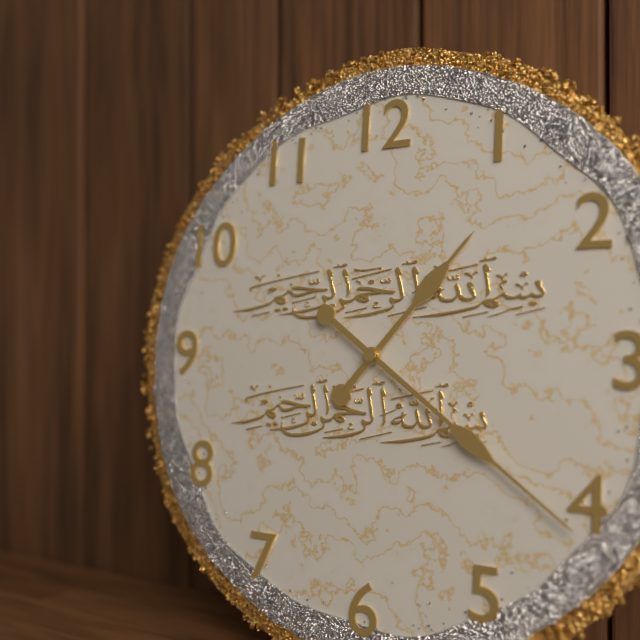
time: **1:21**
